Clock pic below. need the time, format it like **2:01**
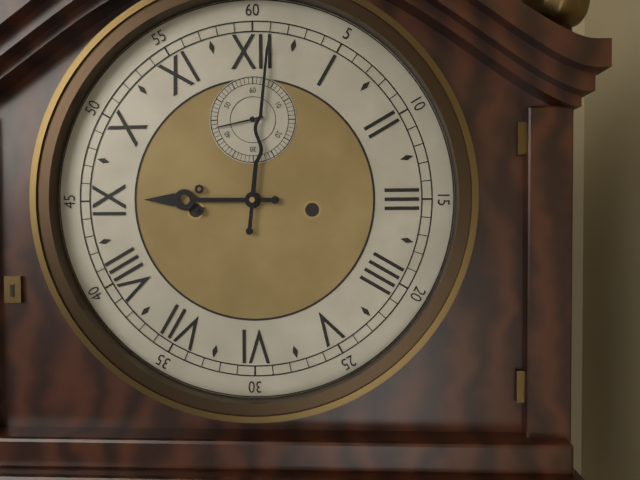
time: **9:01**
